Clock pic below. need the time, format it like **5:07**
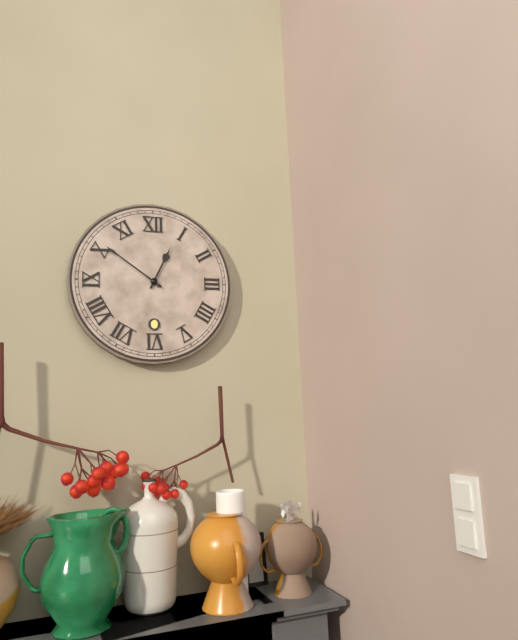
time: **12:51**
